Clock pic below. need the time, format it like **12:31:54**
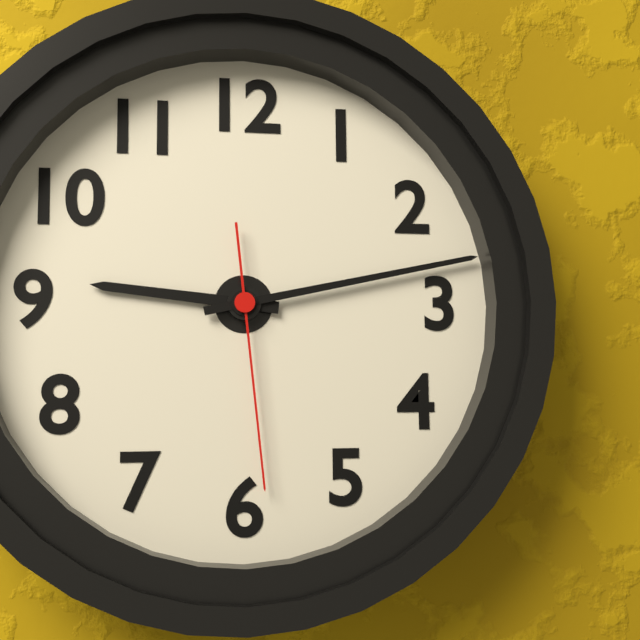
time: **9:13:29**
